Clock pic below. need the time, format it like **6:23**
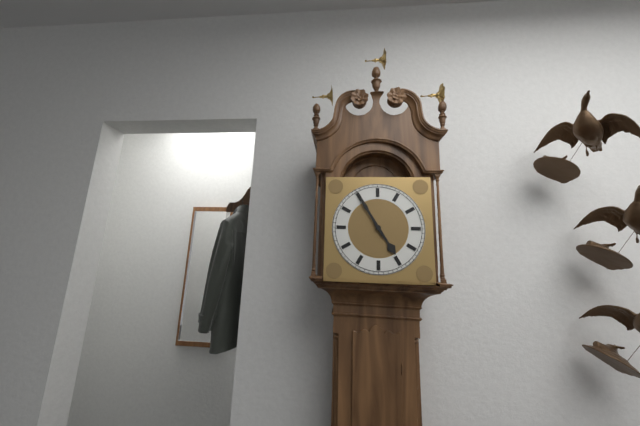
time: **4:55**
